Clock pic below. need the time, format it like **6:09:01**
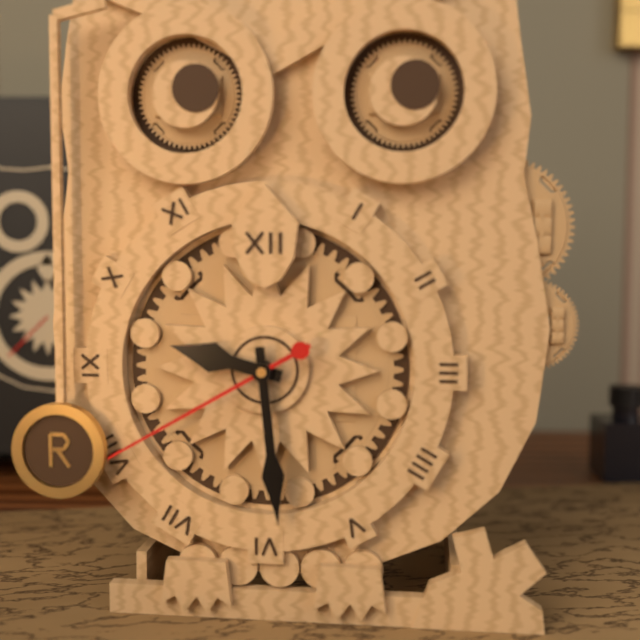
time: **9:29:40**
